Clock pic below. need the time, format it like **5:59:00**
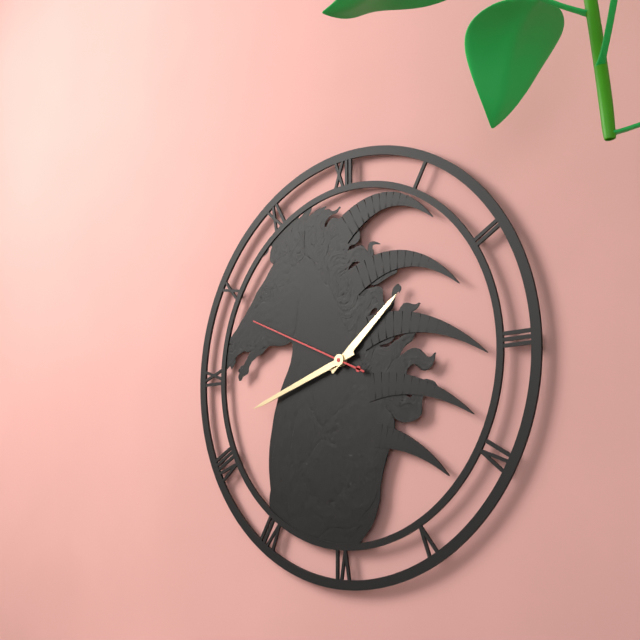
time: **1:42:49**
